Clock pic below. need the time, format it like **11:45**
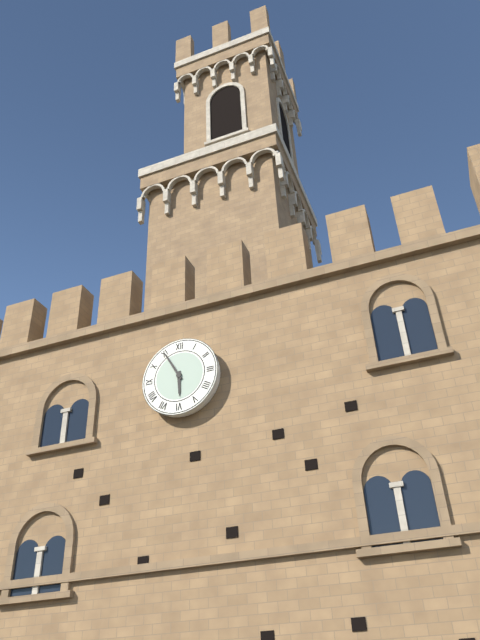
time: **5:55**
